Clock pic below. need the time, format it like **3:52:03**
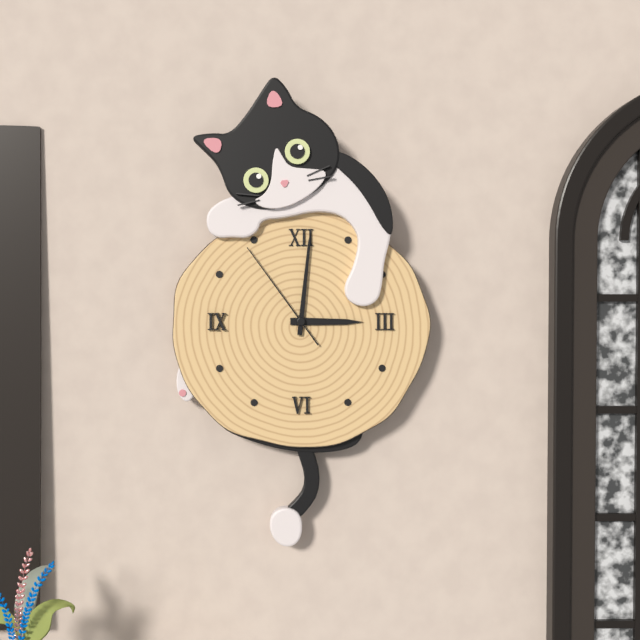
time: **3:01:54**
